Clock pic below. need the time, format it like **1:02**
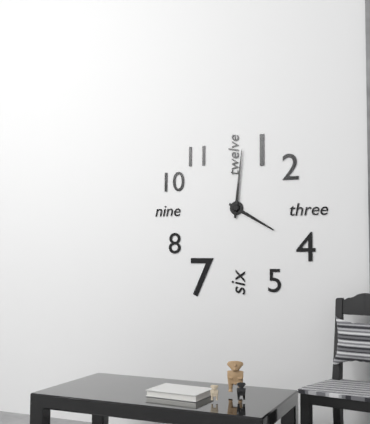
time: **4:01**
